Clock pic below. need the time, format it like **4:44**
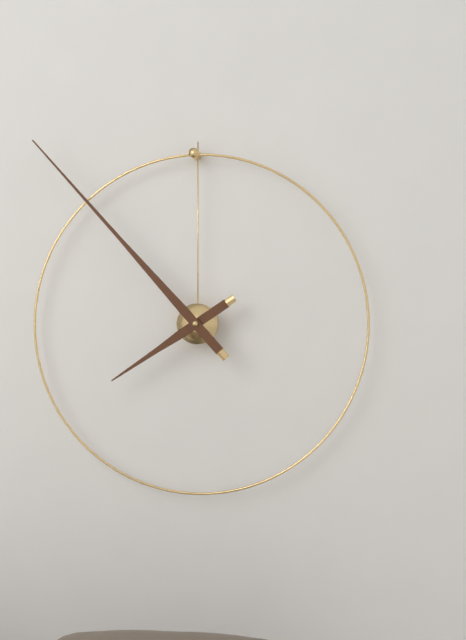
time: **7:53**
